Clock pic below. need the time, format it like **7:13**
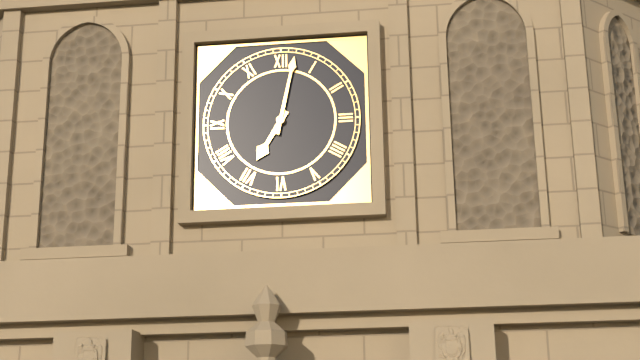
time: **7:02**
